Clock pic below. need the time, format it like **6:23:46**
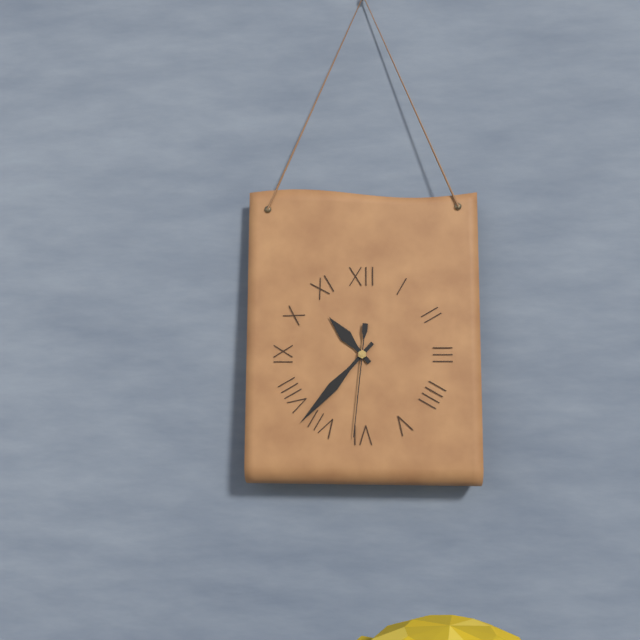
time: **10:37:31**
